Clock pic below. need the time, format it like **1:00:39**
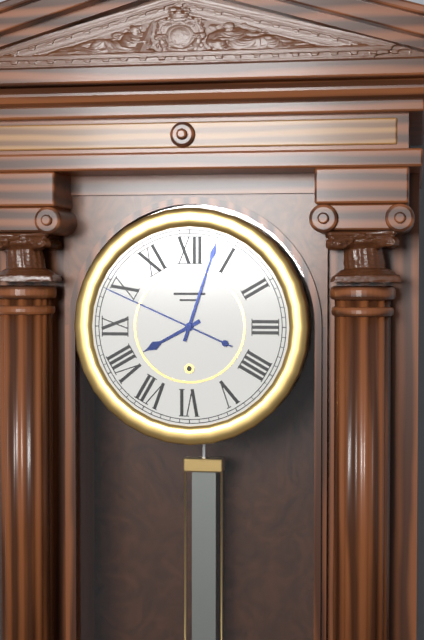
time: **8:03:49**
